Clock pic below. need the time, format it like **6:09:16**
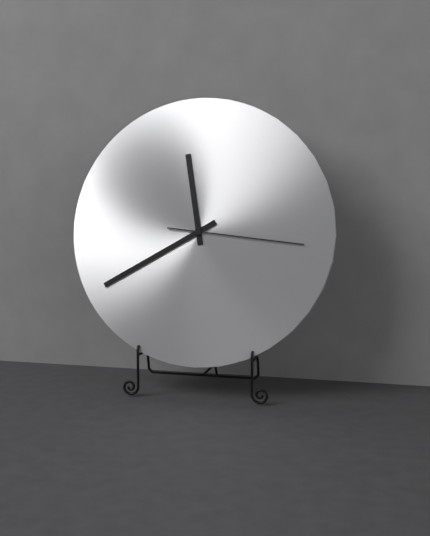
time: **11:40:16**
